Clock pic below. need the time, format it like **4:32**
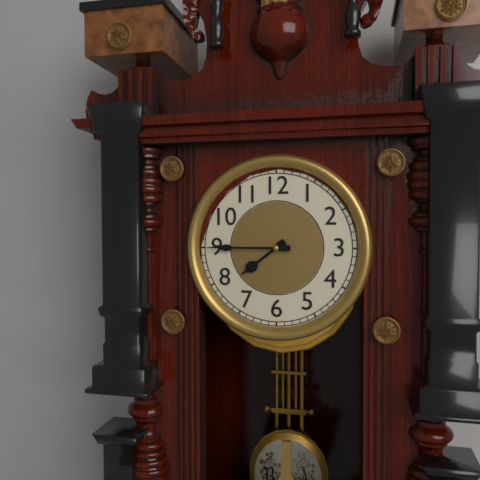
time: **7:45**
